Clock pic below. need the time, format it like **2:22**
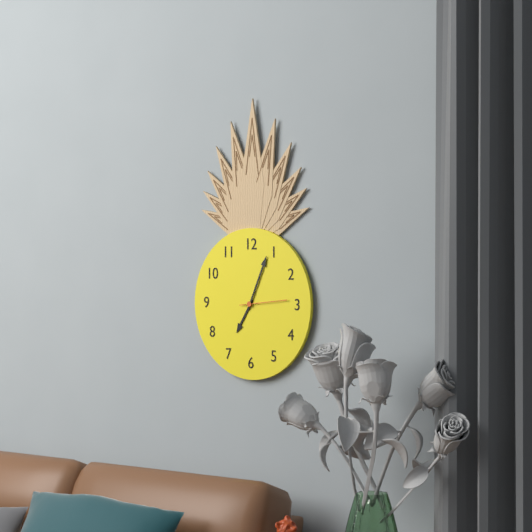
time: **7:04**
